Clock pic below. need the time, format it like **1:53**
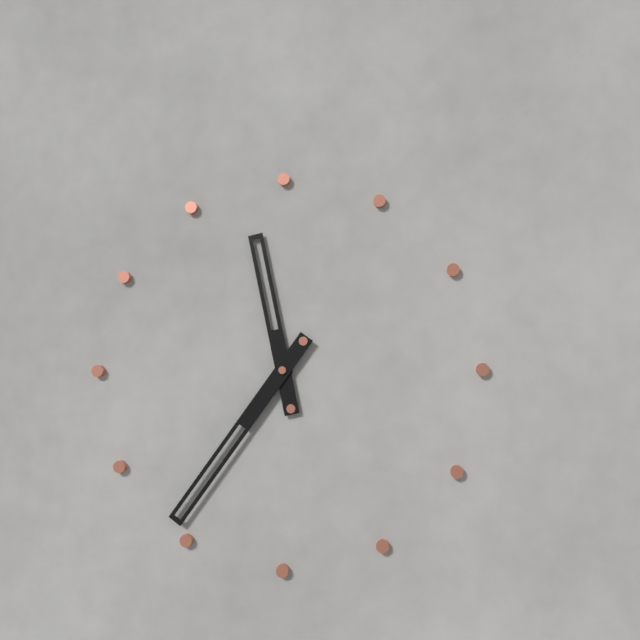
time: **11:36**
